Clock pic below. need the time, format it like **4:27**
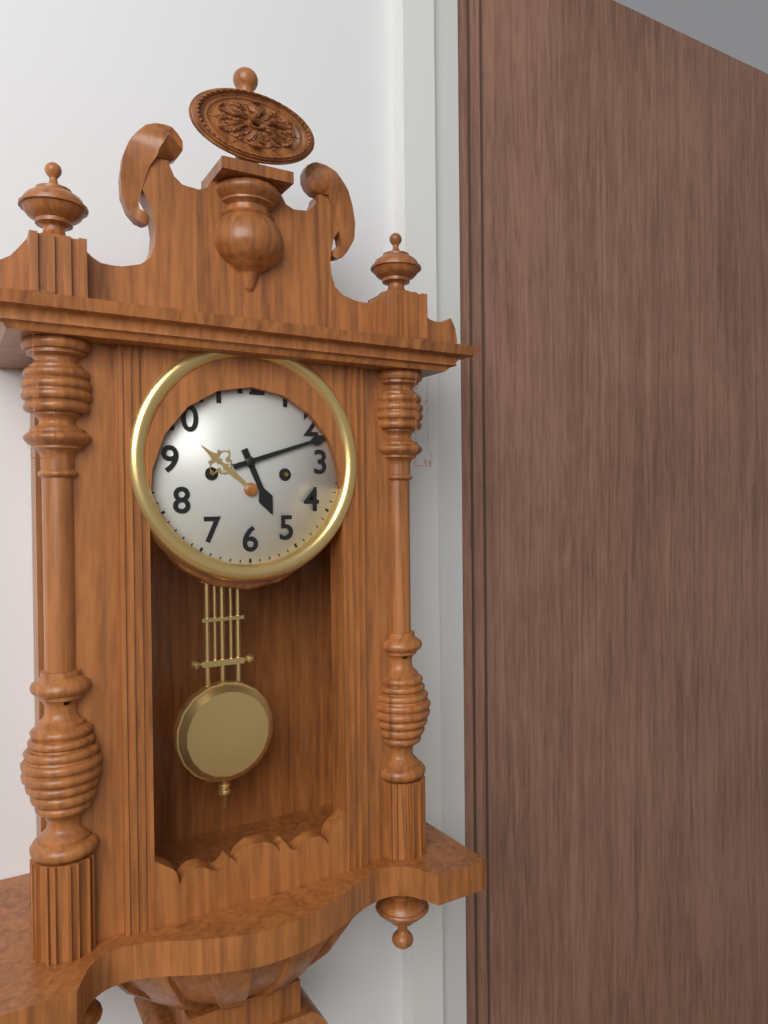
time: **5:12**
